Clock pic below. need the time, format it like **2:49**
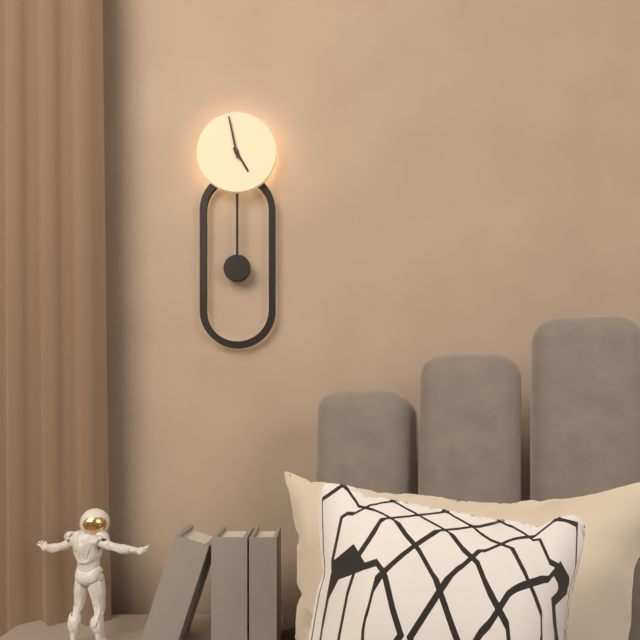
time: **4:58**
